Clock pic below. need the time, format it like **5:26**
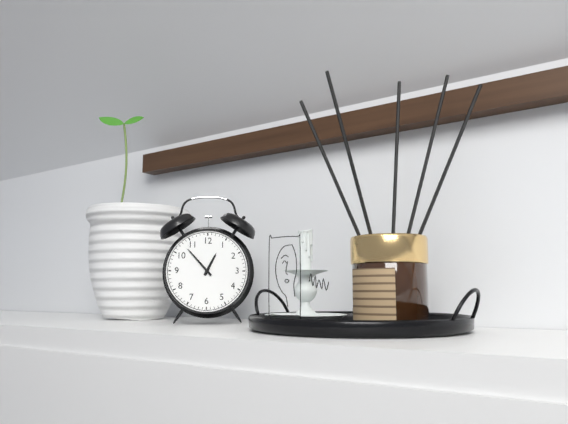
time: **12:53**
